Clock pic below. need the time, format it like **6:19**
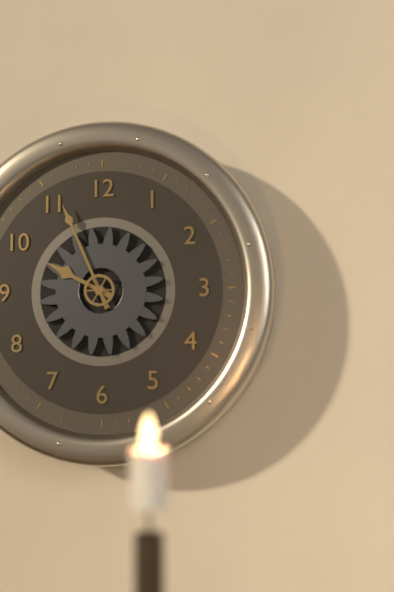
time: **9:56**
